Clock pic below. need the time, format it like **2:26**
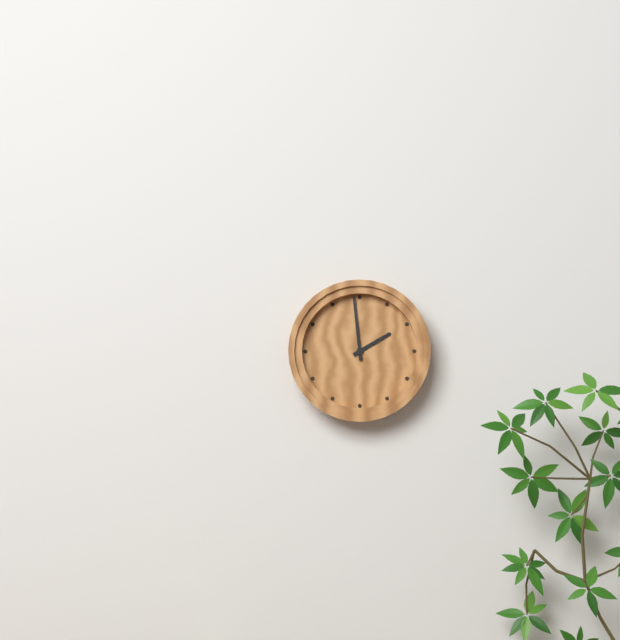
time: **1:59**
